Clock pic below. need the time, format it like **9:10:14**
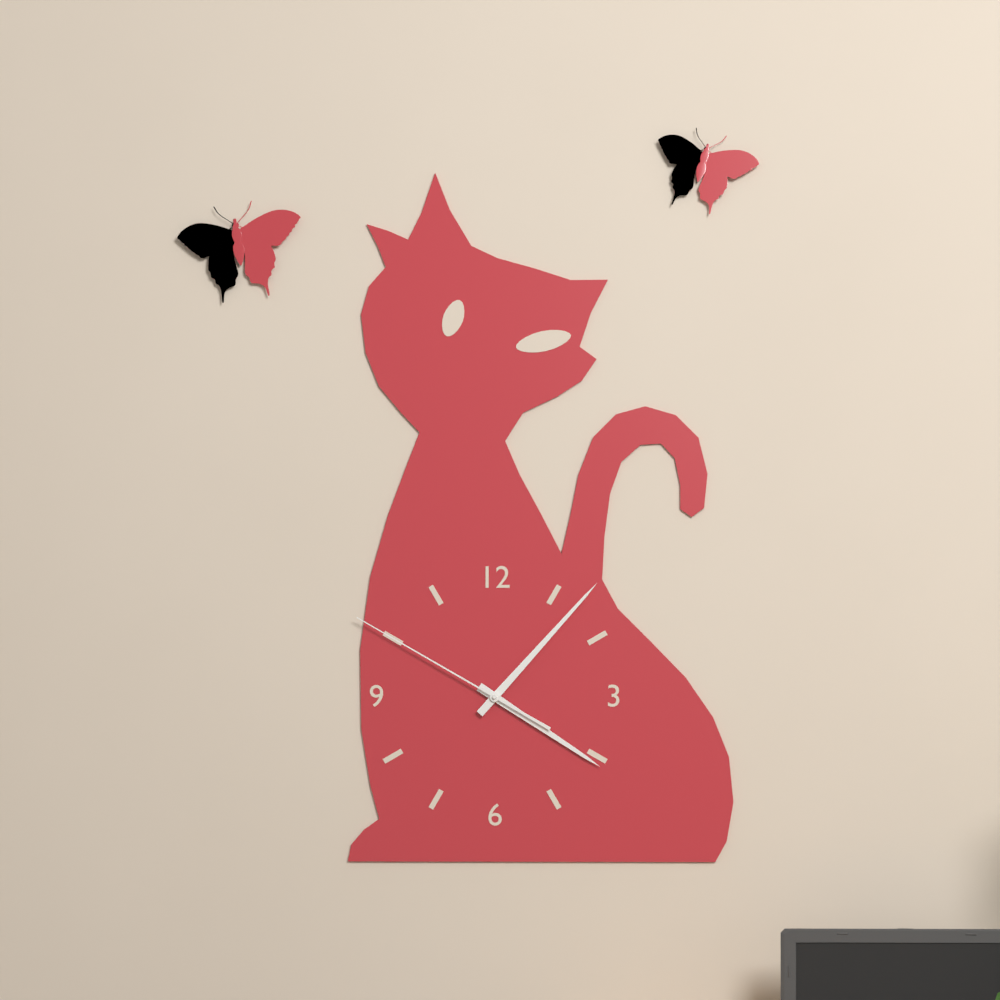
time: **4:07:50**
